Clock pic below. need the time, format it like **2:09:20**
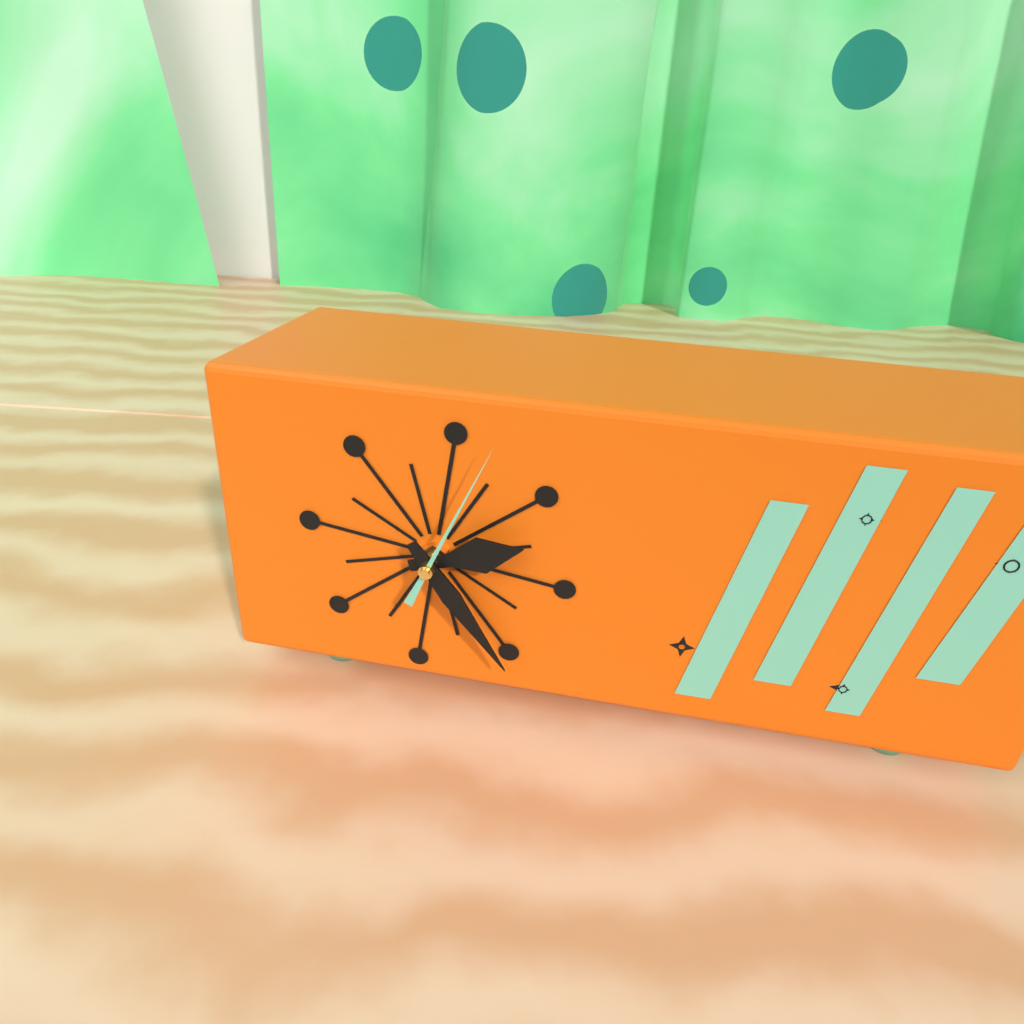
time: **2:24:04**
